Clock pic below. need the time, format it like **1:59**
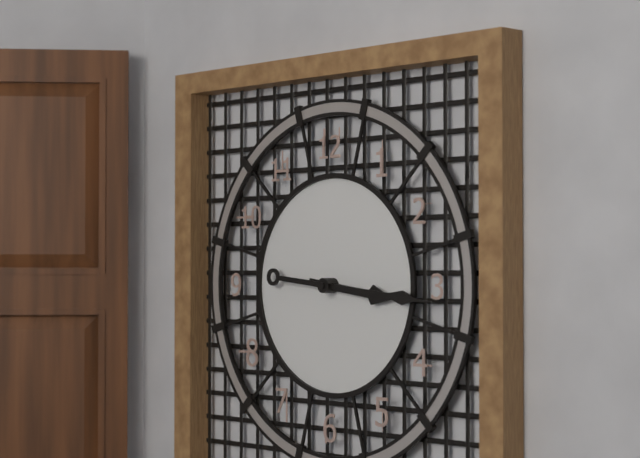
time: **3:16**
